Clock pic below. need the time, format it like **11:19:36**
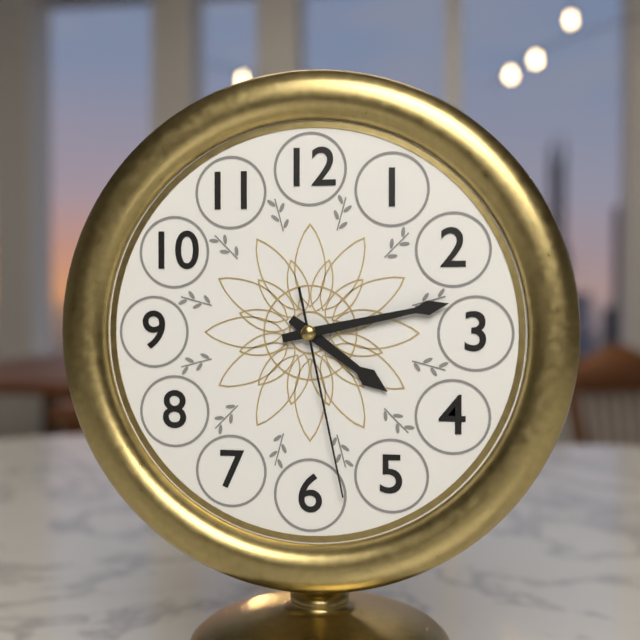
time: **4:13:28**
